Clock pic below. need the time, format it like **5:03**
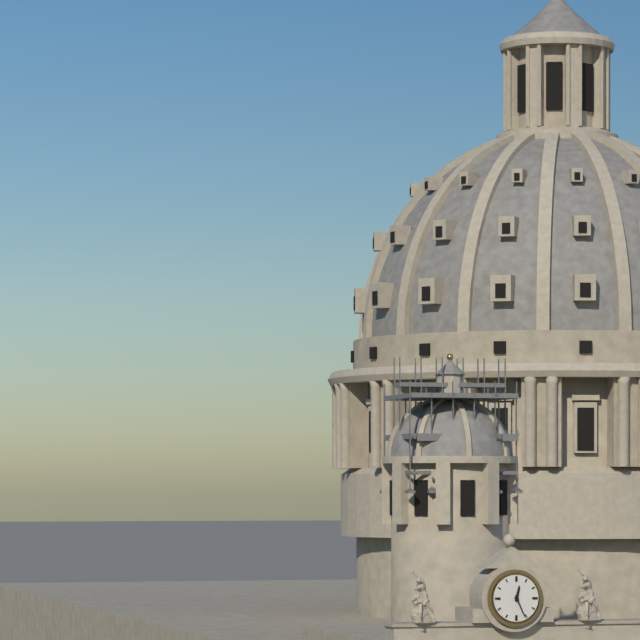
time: **12:26**
